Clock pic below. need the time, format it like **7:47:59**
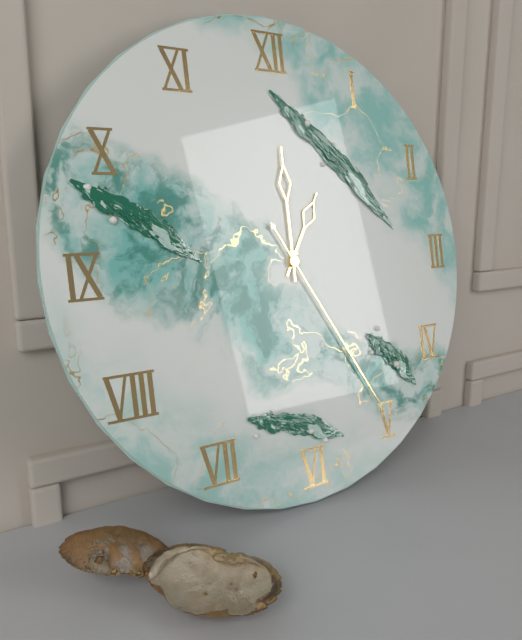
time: **1:00:25**
